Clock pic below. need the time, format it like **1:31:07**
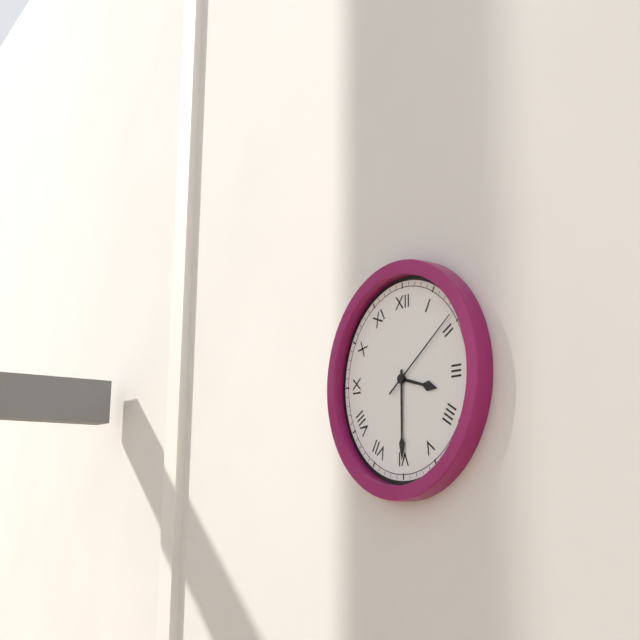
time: **3:30:09**
